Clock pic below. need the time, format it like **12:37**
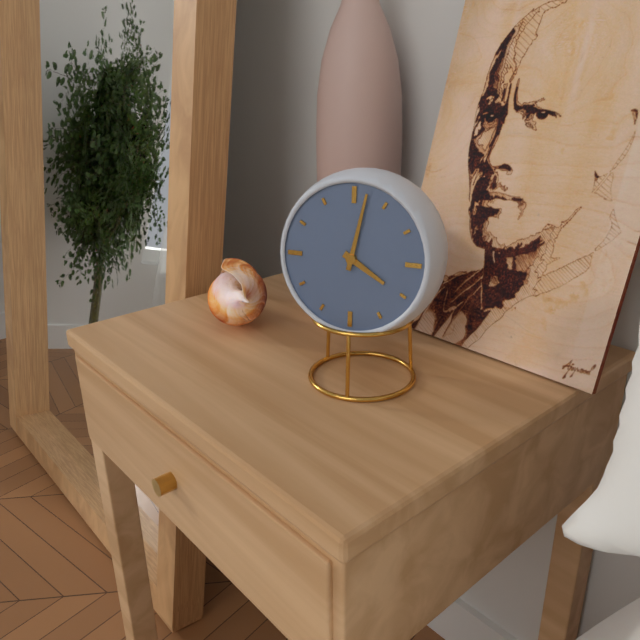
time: **4:02**
